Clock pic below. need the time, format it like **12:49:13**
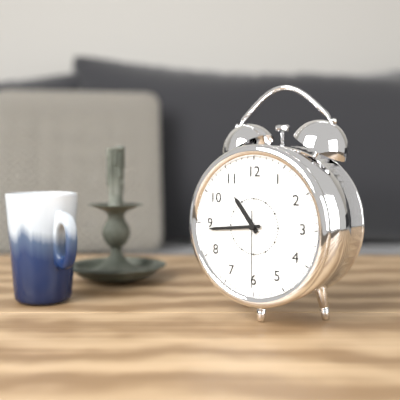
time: **10:44:30**
